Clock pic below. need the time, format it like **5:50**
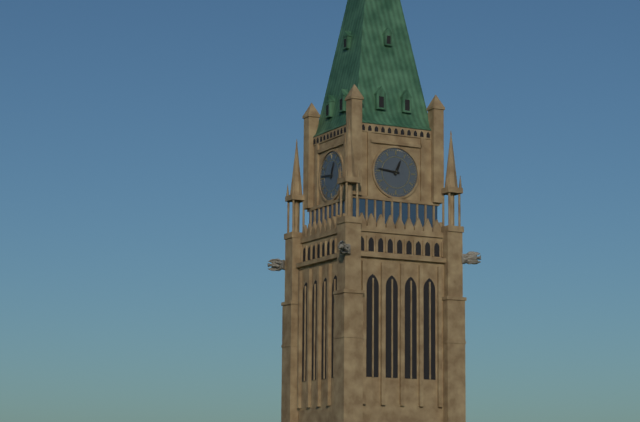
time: **12:46**
